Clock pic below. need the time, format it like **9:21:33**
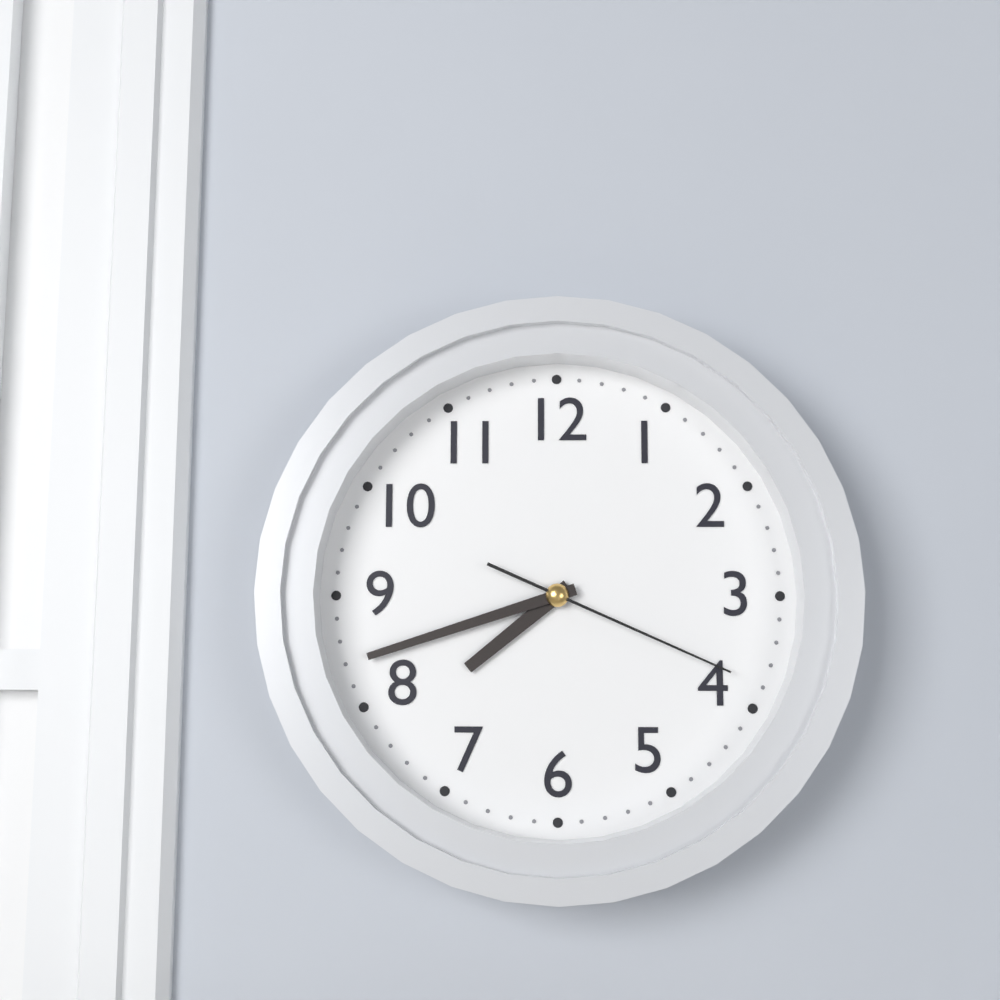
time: **7:42:19**
